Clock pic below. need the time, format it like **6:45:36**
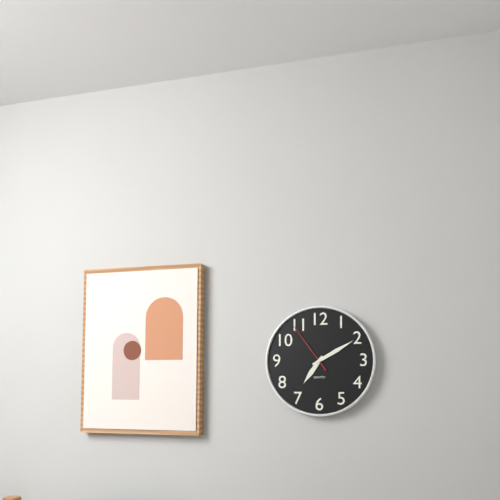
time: **7:10:54**
